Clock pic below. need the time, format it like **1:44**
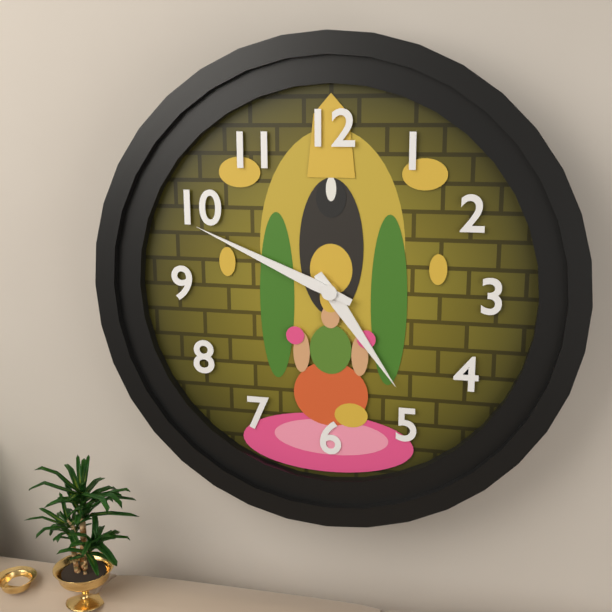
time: **4:49**
